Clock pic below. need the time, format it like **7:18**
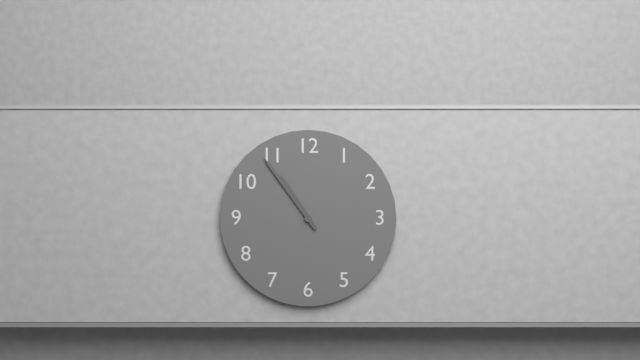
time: **10:54**
